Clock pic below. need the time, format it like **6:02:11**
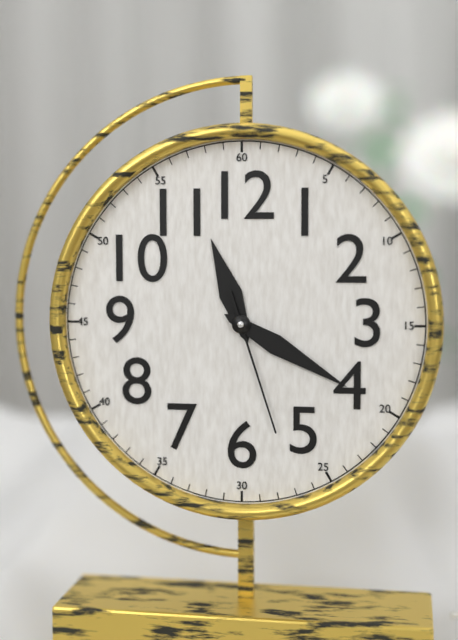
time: **11:20:27**
